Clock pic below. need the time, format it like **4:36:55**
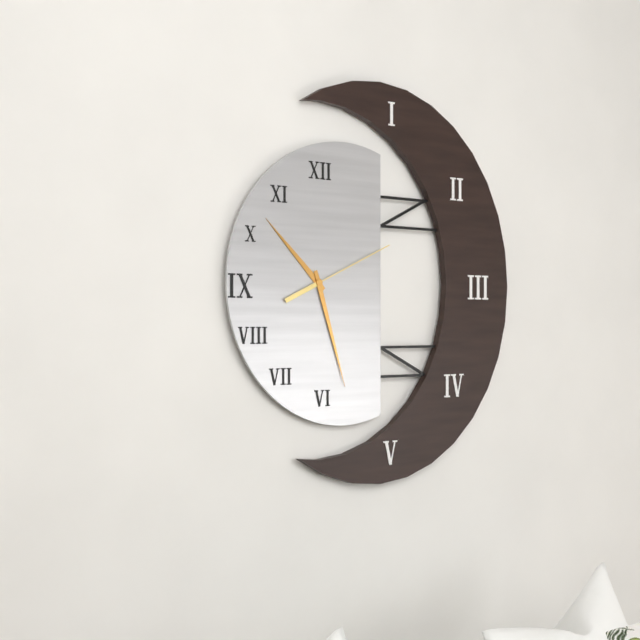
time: **10:27:11**
